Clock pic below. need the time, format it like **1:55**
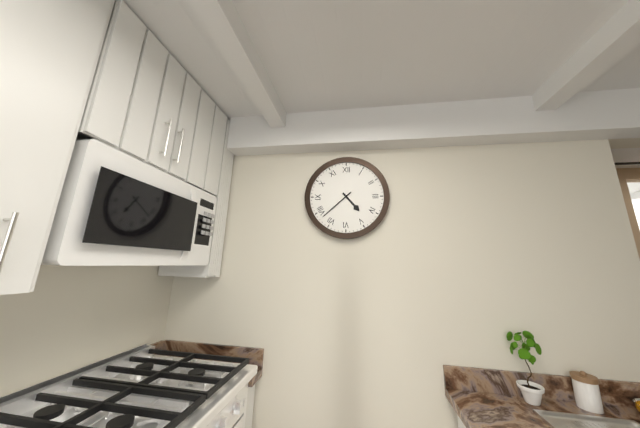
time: **4:38**
